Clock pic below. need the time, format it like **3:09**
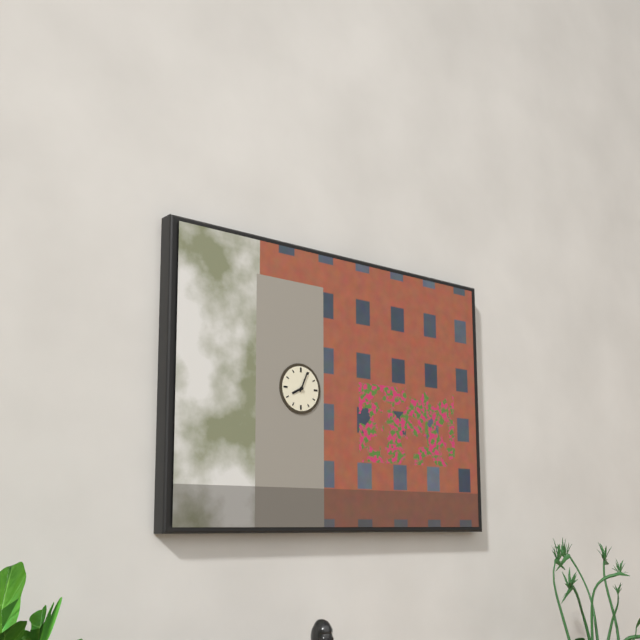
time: **8:04**
